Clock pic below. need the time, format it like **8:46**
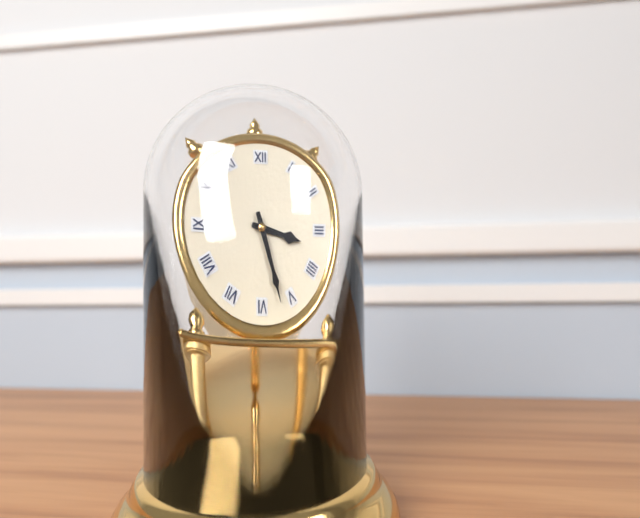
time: **3:27**
